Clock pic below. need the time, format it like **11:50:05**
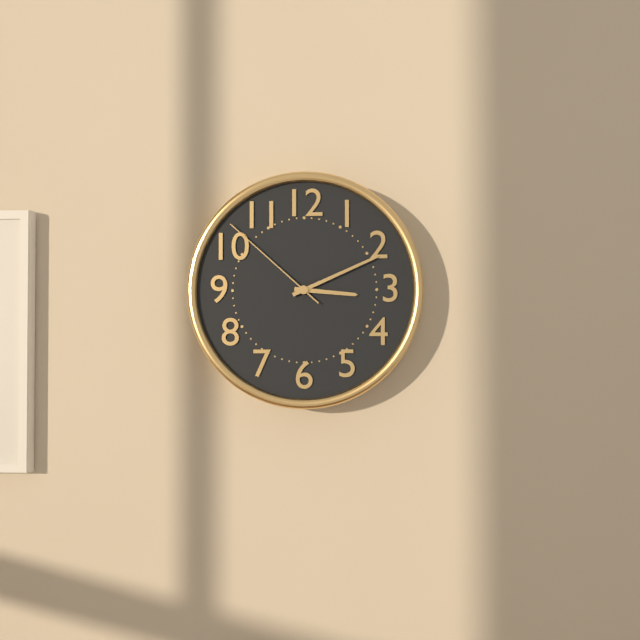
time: **3:11:52**
